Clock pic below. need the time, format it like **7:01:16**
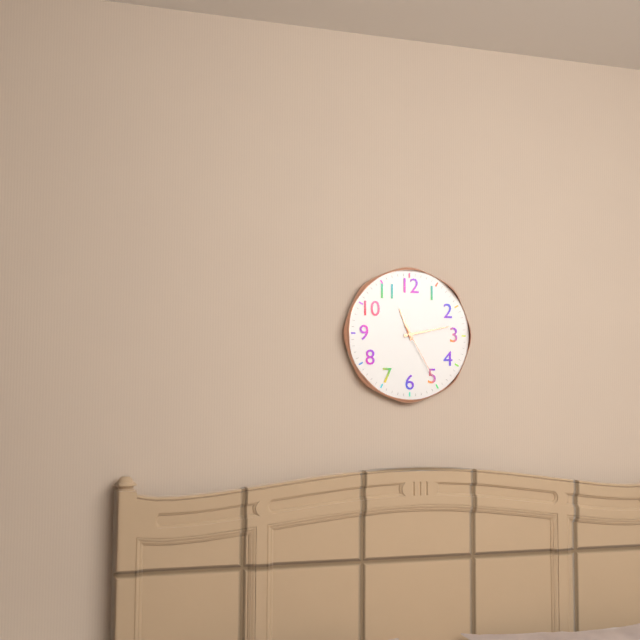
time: **11:13:25**
